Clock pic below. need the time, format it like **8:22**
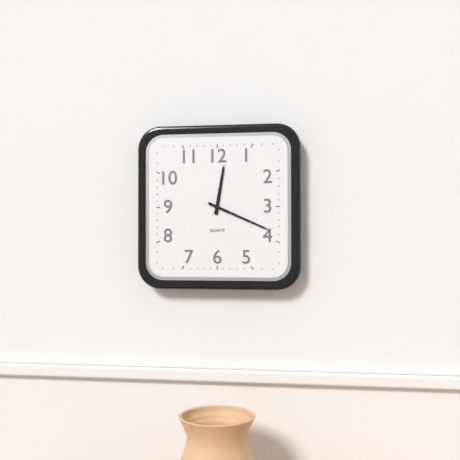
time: **12:19**
